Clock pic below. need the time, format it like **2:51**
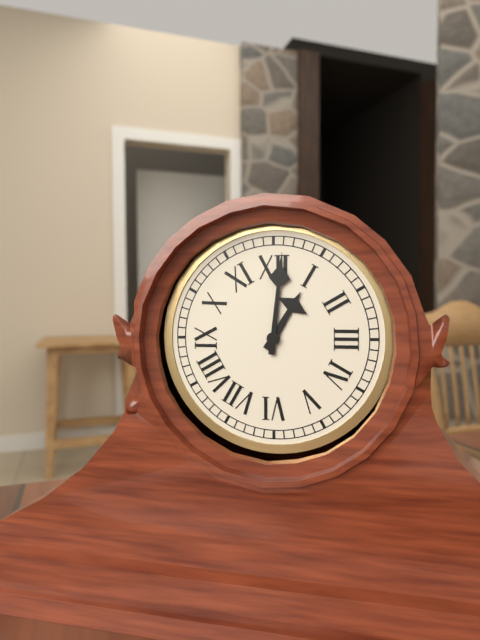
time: **1:01**
